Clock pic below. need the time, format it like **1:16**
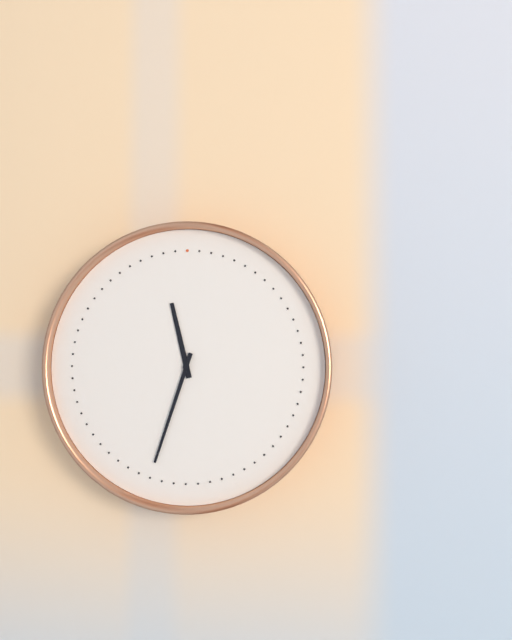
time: **11:33**
